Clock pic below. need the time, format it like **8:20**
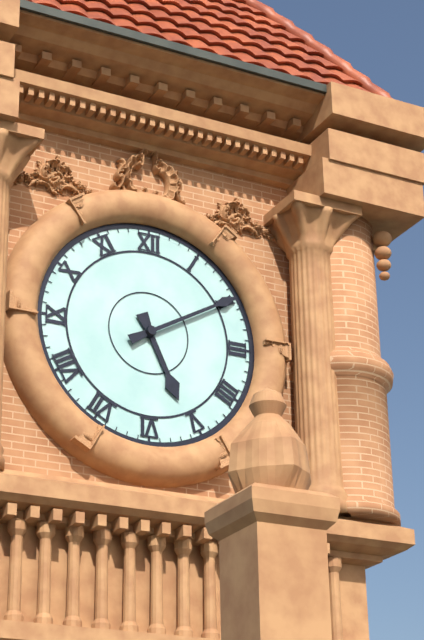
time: **5:10**
